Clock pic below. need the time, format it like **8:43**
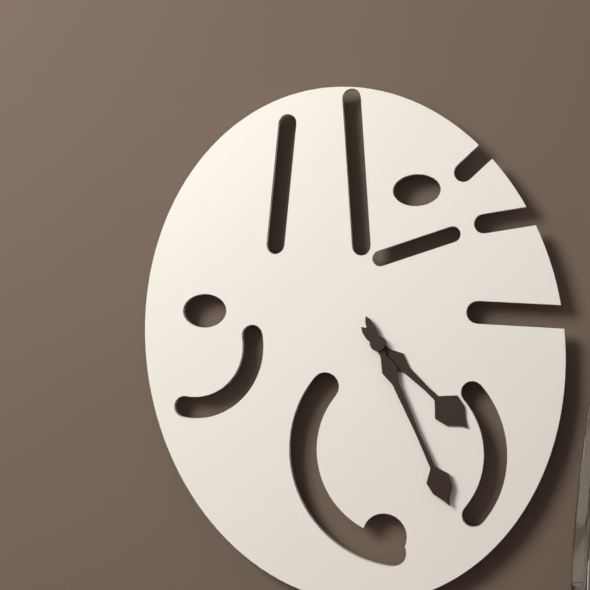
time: **4:26**
